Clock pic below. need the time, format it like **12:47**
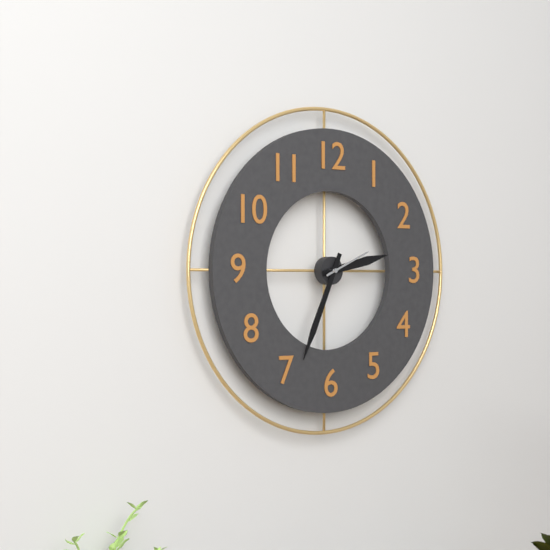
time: **2:34**
